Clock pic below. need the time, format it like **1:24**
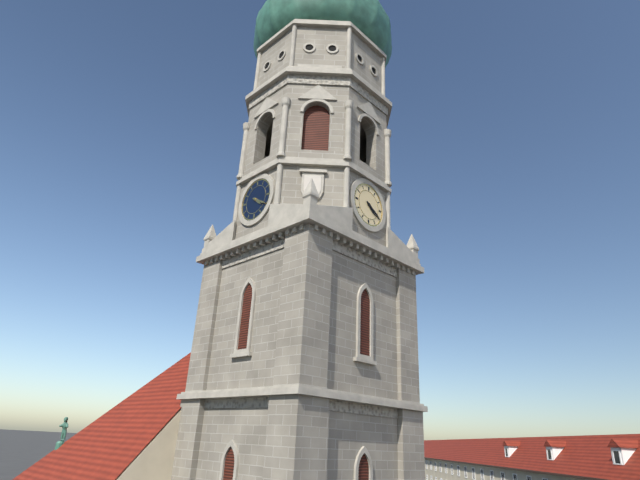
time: **4:20**
